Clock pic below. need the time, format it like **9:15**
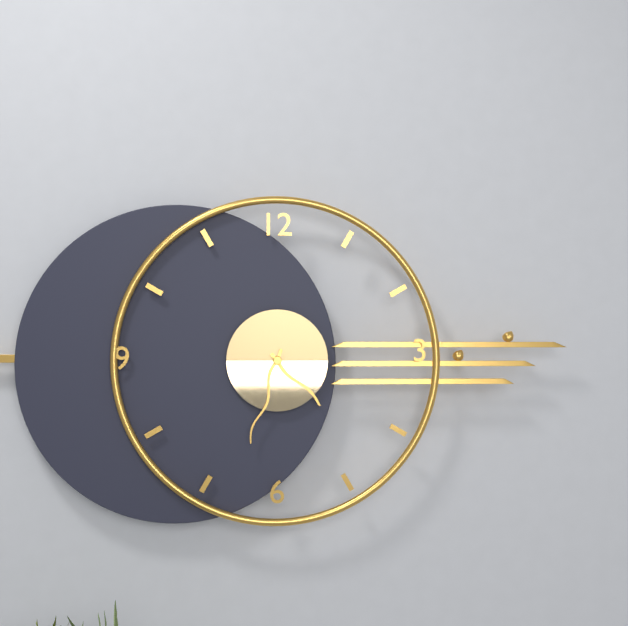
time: **4:33**
